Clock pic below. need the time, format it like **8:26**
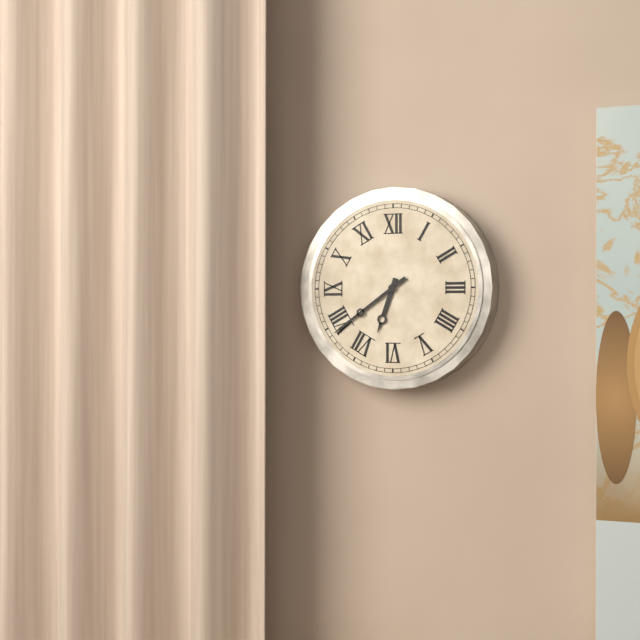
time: **6:39**
